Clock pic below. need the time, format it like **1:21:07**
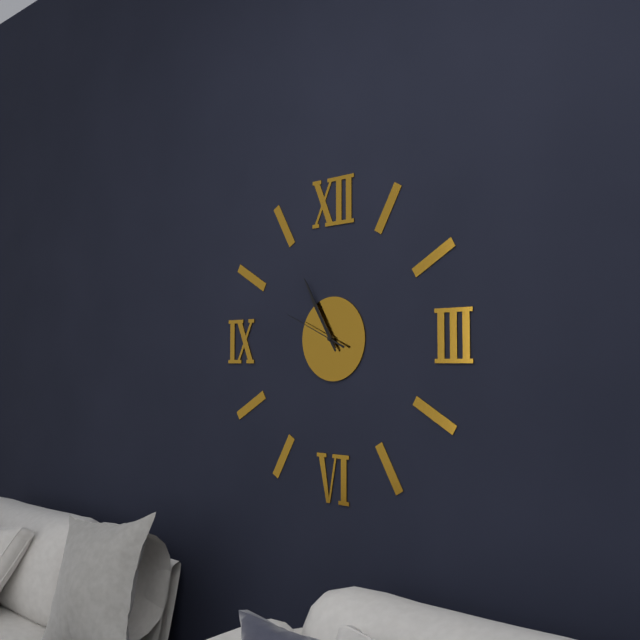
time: **10:55:49**
